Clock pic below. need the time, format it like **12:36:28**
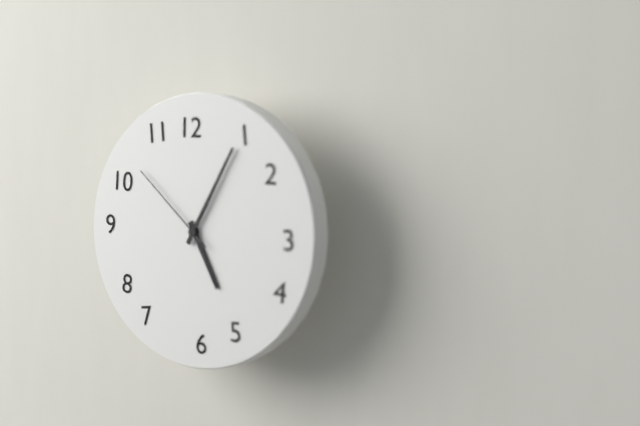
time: **5:05:52**
